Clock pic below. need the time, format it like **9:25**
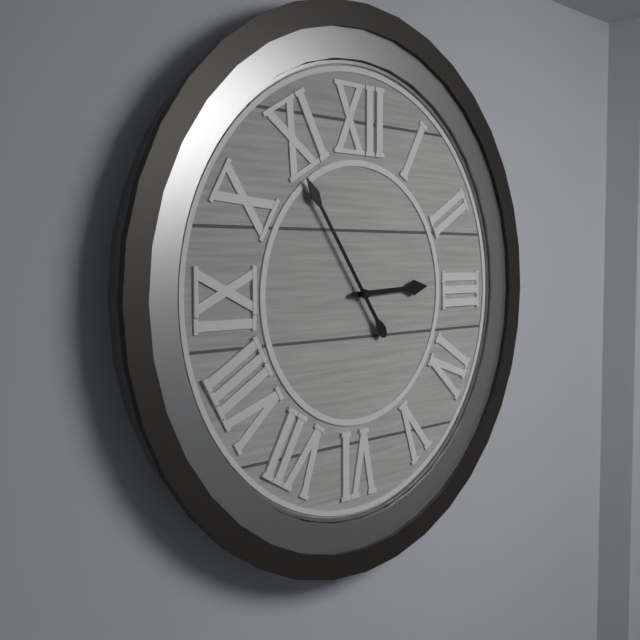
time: **2:54**
